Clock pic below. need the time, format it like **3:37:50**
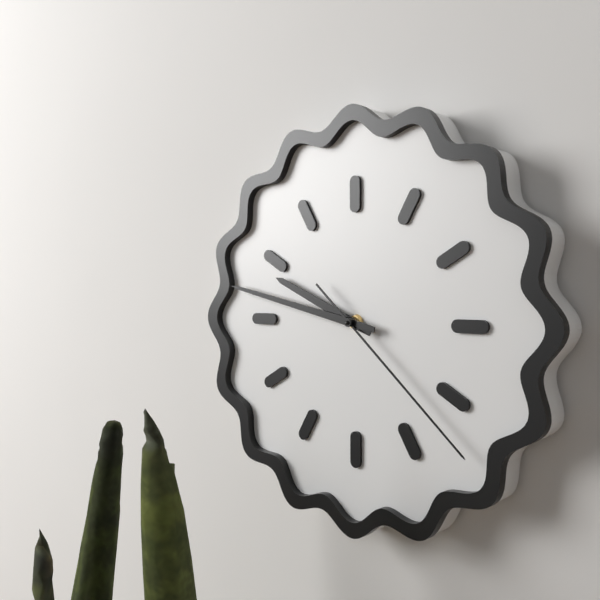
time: **9:47:22**
